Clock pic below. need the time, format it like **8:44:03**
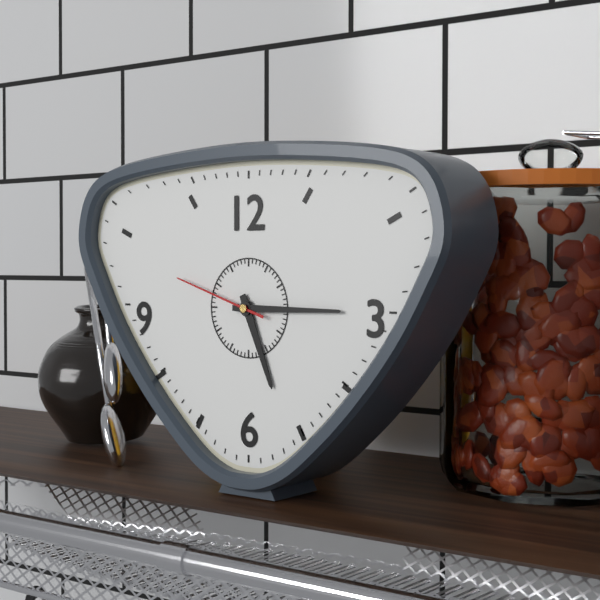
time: **5:15:48**
